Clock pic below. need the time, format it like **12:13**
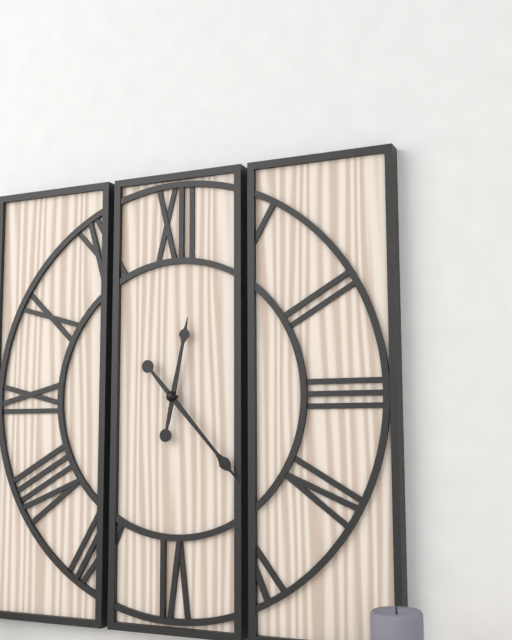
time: **12:23**
